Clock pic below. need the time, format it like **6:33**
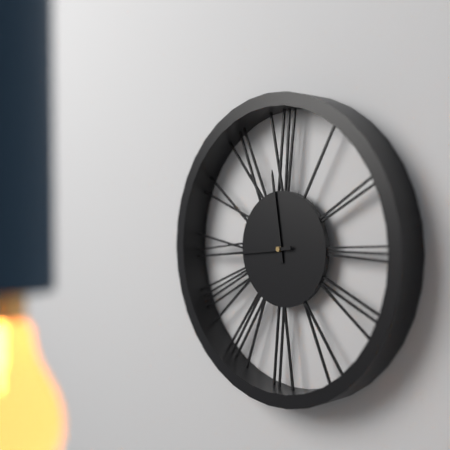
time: **11:44**
